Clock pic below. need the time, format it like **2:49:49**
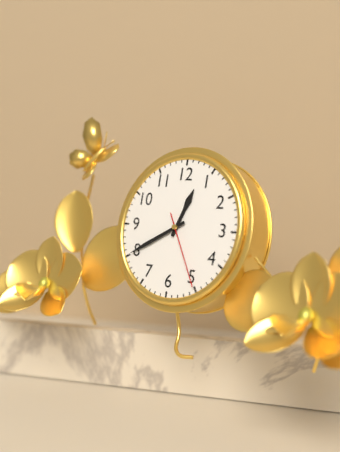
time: **12:40:25**
